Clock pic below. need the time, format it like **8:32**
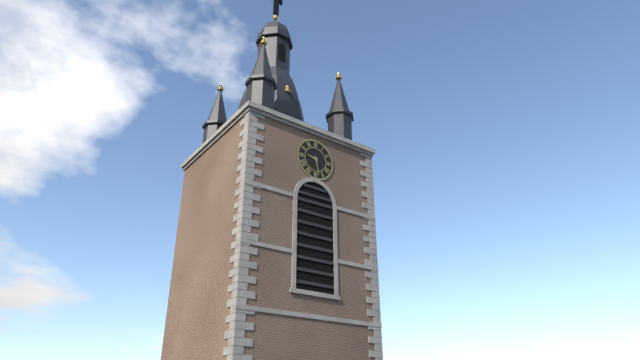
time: **9:28**
